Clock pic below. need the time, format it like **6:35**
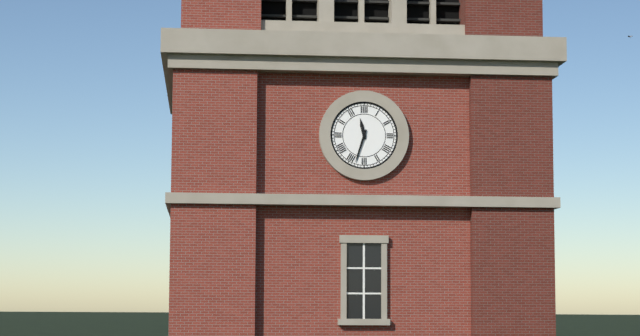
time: **11:33**
